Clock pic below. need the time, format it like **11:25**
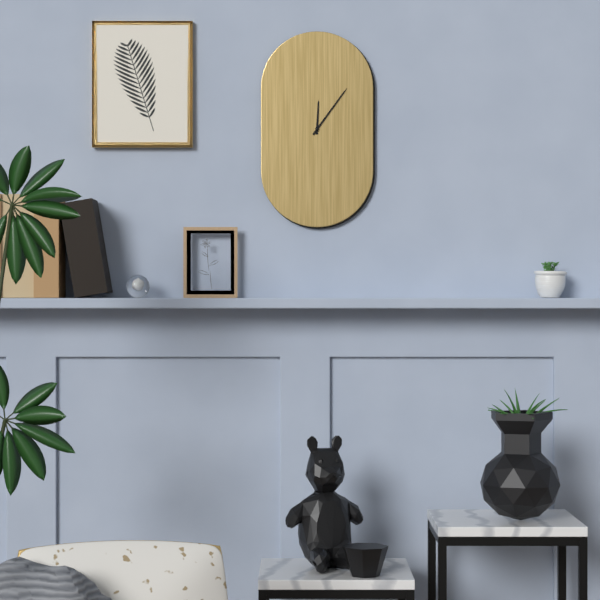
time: **12:06**
